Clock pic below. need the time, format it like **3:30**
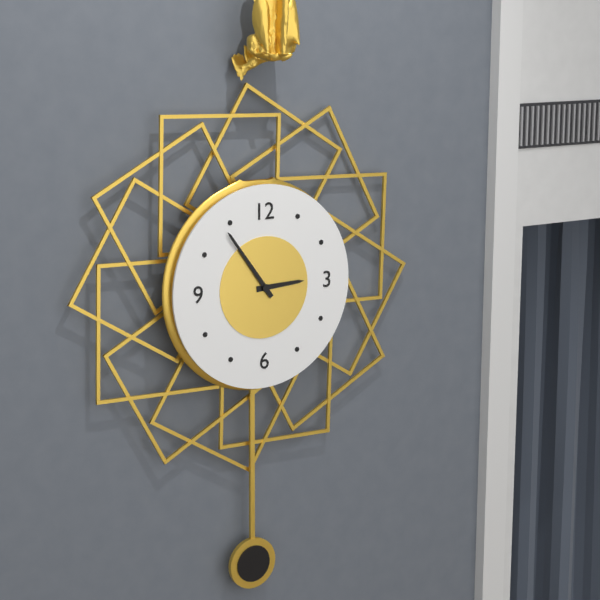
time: **2:54**
